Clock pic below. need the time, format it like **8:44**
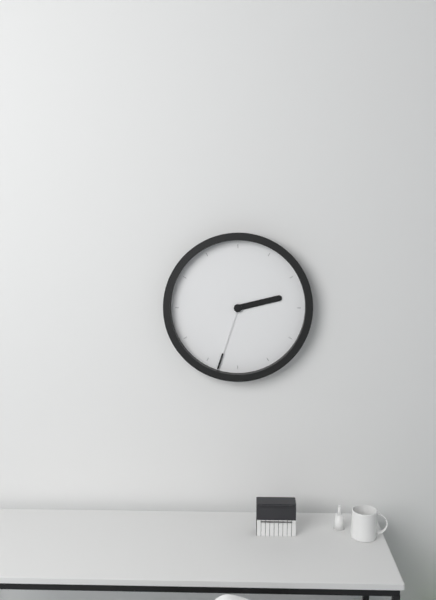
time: **2:33**
